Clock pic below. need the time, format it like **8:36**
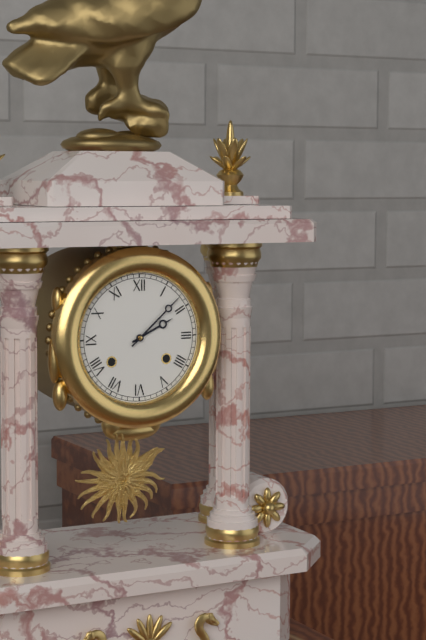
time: **2:08**
